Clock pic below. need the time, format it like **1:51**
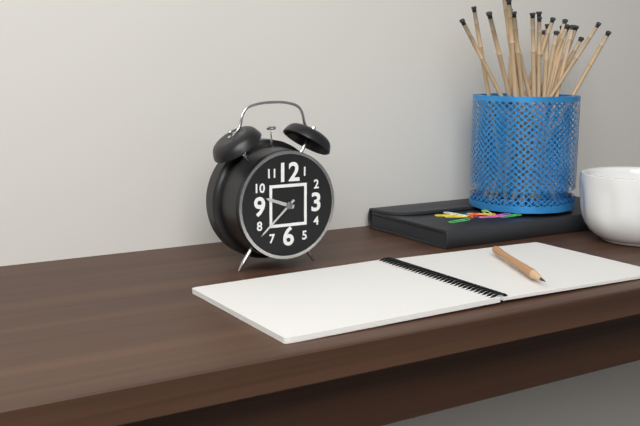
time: **9:38**
